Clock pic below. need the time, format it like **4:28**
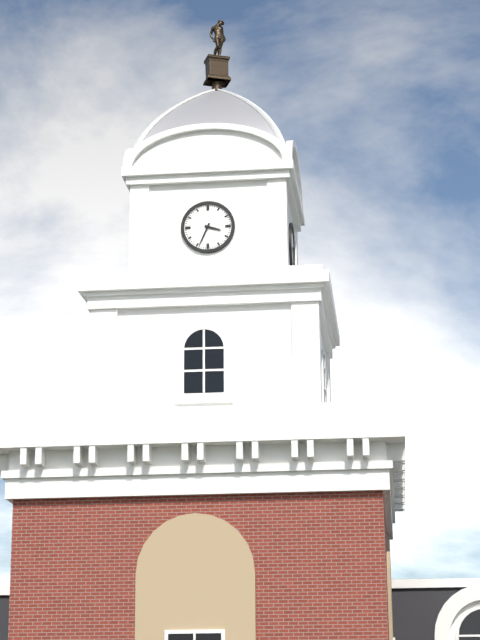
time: **3:34**
